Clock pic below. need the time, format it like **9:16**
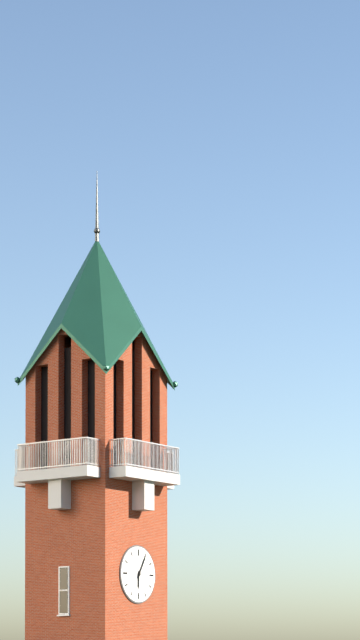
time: **6:05**
